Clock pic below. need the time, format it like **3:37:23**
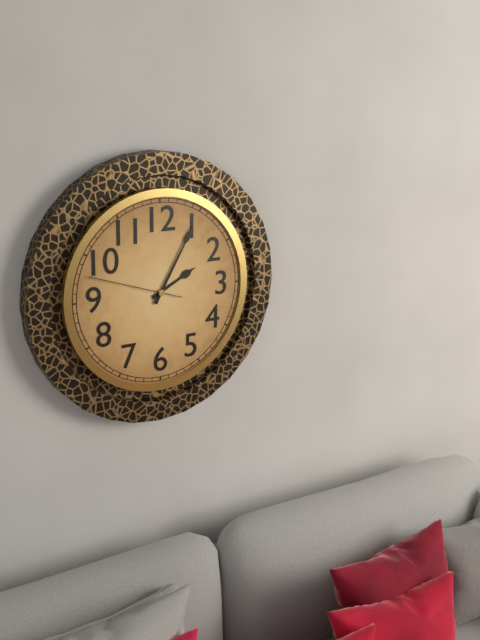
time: **2:05:48**
